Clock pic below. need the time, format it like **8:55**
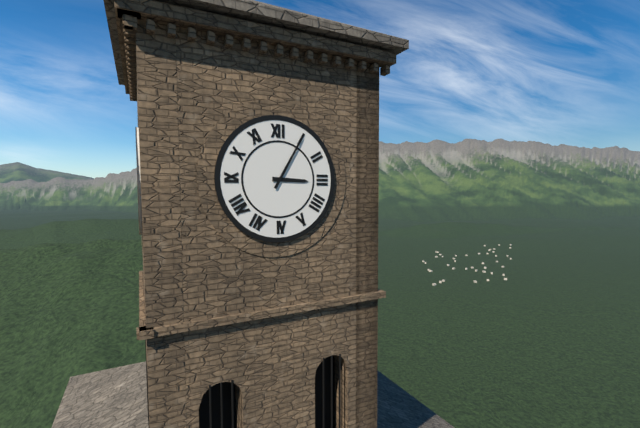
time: **3:05**
